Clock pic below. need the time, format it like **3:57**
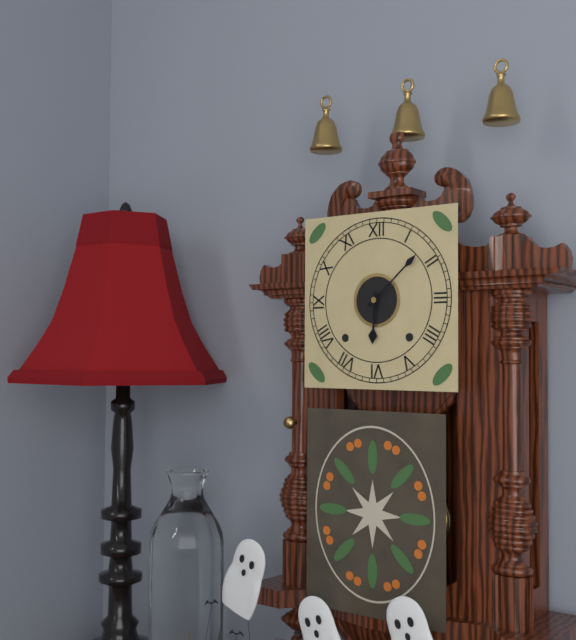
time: **6:08**
